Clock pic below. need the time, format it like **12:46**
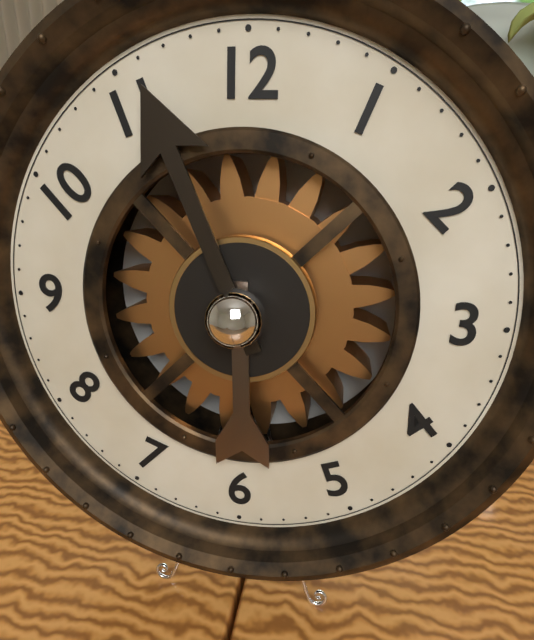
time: **5:56**
